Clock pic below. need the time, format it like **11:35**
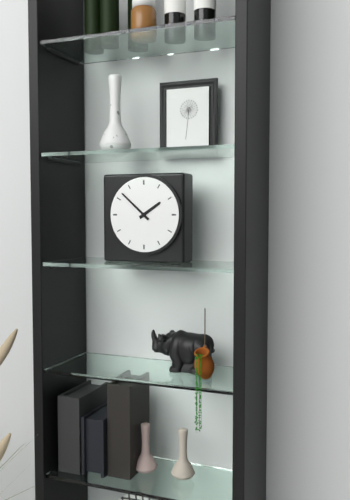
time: **1:52**
